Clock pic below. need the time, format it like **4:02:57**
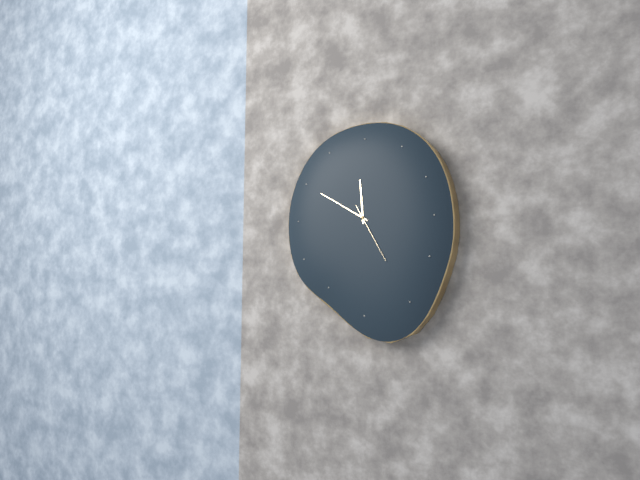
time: **11:50:25**
